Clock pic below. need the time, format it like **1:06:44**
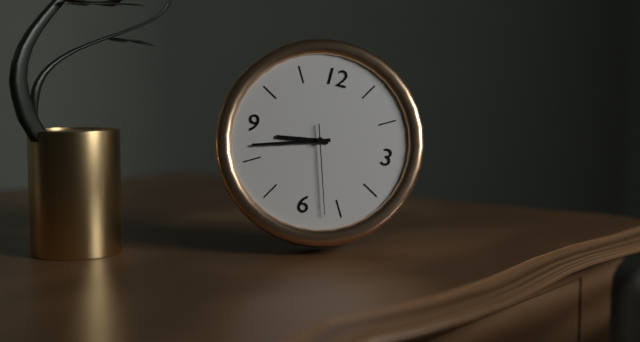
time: **8:42:27**
